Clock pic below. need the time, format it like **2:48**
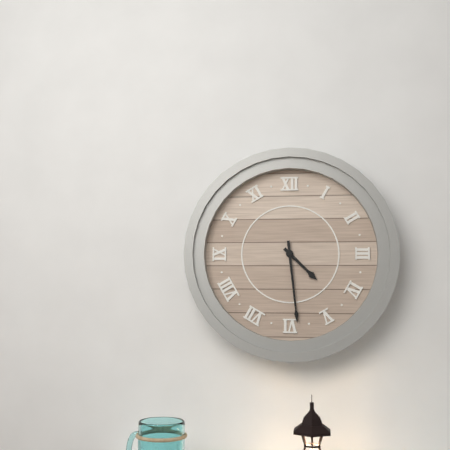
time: **4:29**
